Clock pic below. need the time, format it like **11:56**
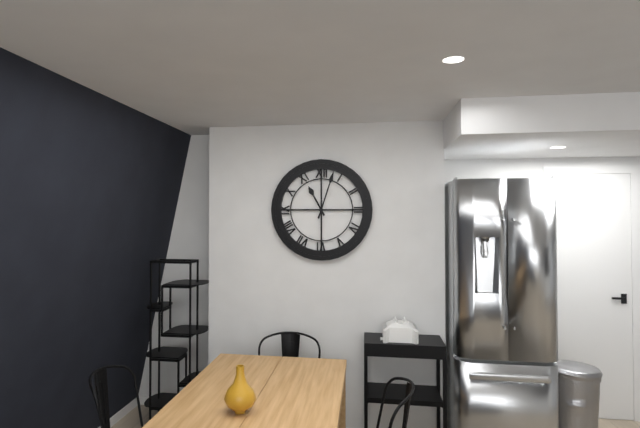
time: **11:03**
